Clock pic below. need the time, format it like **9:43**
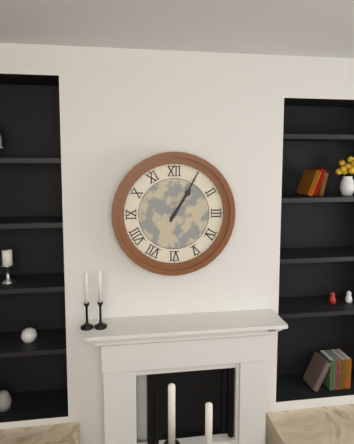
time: **1:05**
